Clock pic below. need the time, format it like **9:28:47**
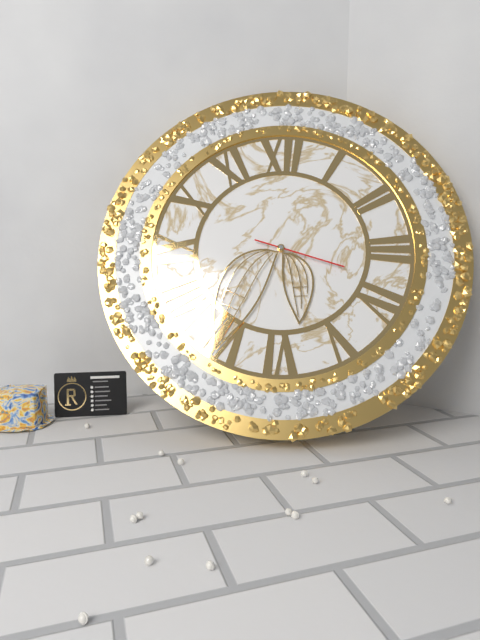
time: **5:35:18**
